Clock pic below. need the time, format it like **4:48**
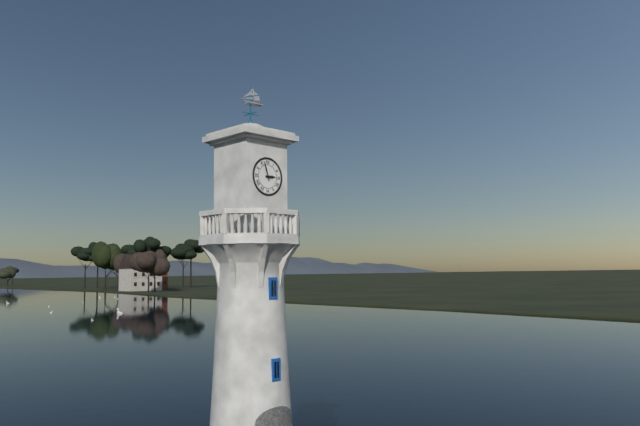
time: **2:57**
